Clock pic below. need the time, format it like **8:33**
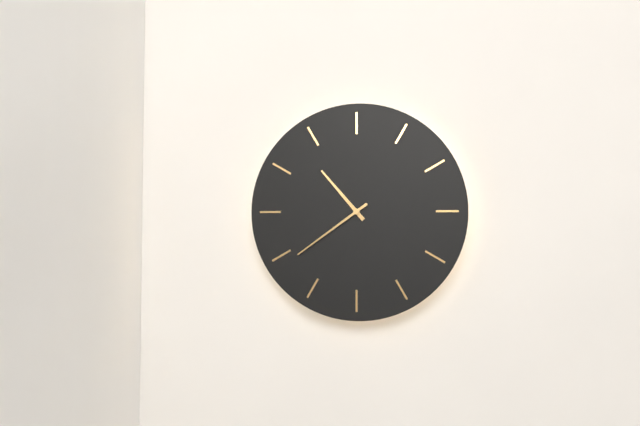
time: **10:39**
